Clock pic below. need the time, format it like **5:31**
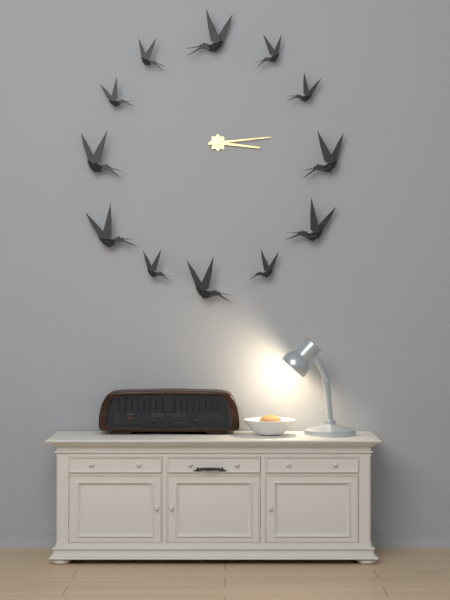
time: **3:14**
